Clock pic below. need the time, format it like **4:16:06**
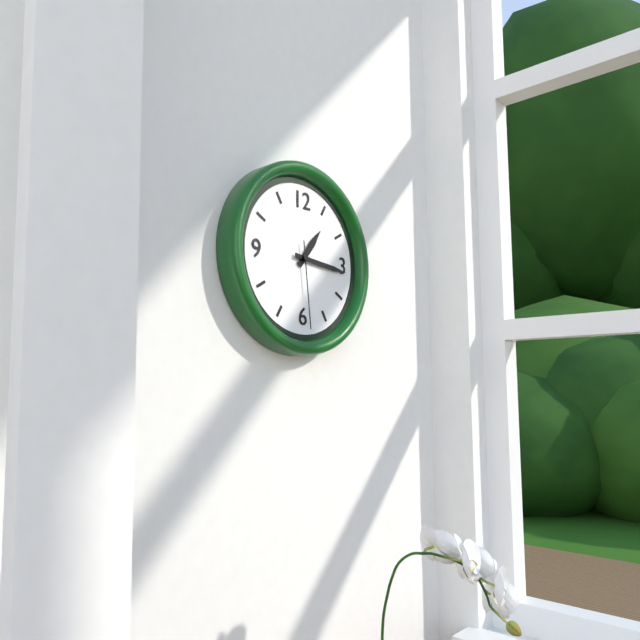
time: **1:16:29**
